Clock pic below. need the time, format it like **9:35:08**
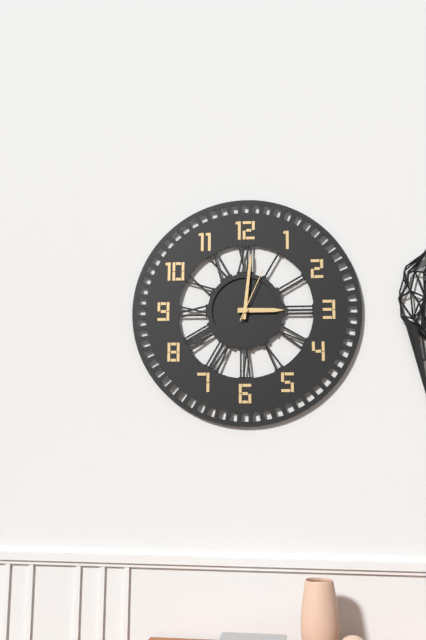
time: **3:01:04**
